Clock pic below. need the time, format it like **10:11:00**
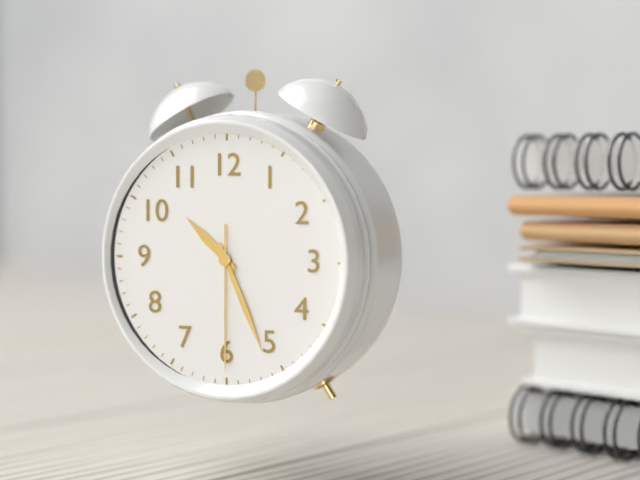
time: **10:26:30**
